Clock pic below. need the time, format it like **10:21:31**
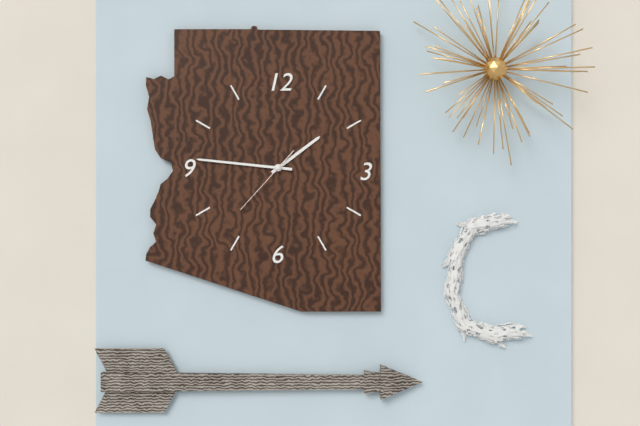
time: **1:46:37**
